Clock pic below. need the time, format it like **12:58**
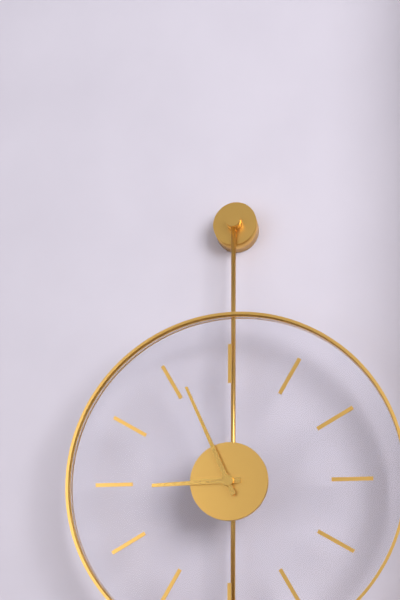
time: **8:56**
